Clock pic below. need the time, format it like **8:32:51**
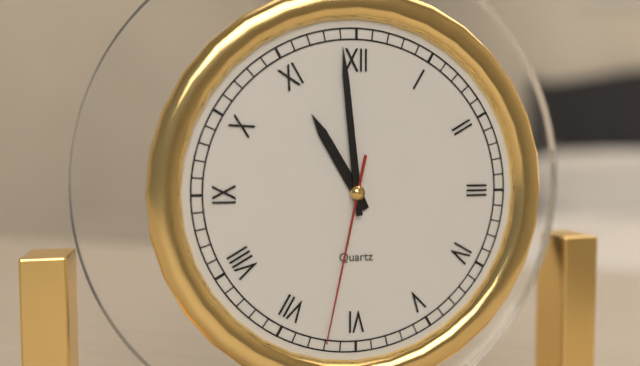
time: **10:59:32**
